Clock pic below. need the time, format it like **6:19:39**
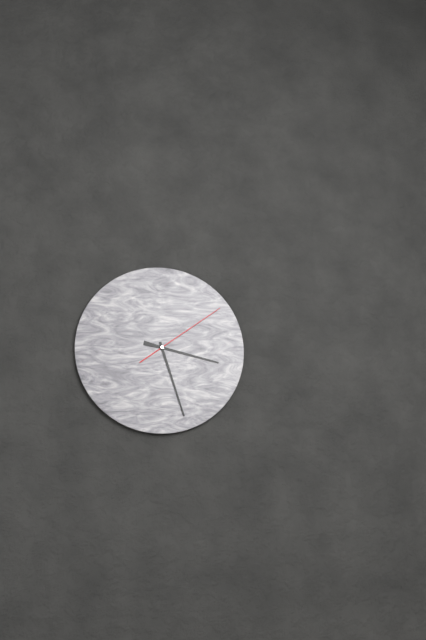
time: **3:27:09**
